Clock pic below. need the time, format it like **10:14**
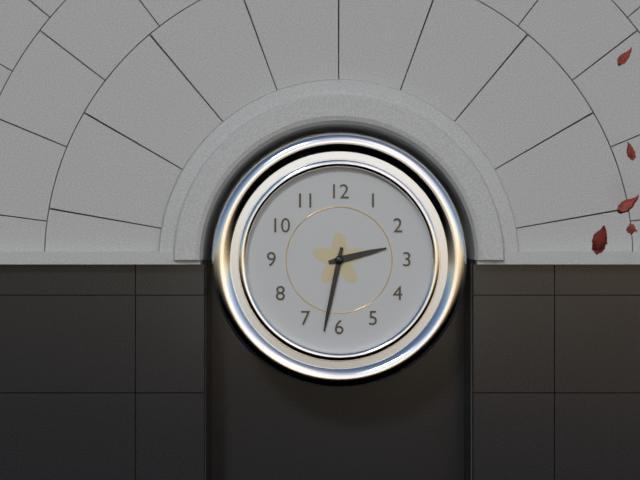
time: **2:32**
